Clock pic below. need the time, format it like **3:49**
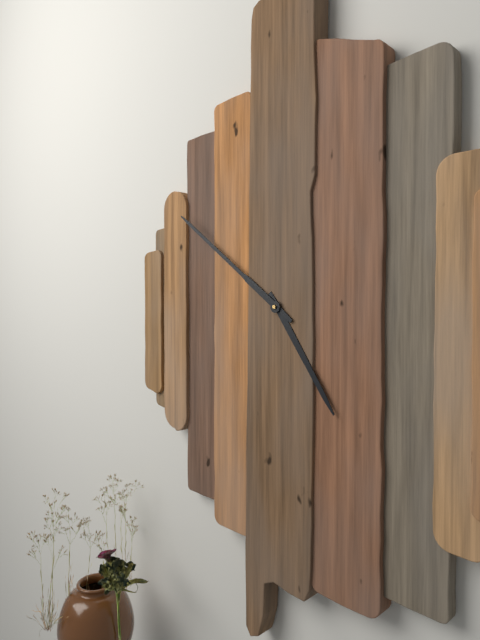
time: **4:51**
